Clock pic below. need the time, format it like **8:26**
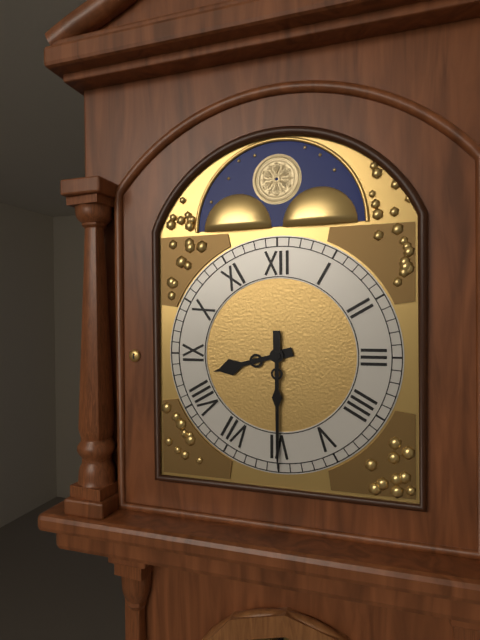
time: **8:30**
